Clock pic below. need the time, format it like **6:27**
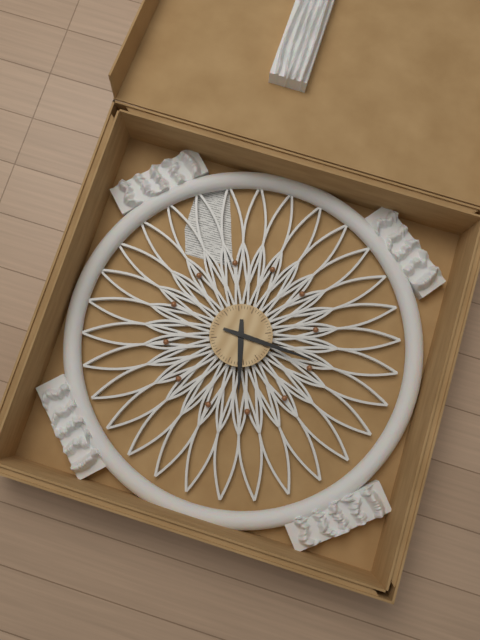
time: **5:14**
